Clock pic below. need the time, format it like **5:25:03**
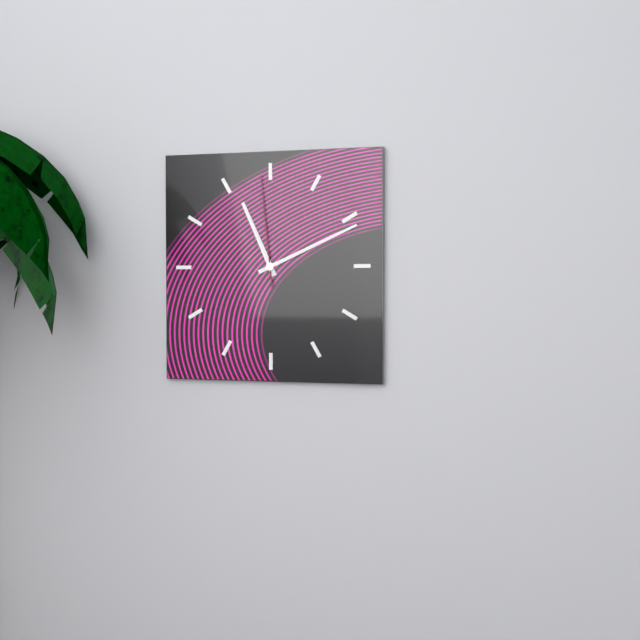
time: **11:11:59**
